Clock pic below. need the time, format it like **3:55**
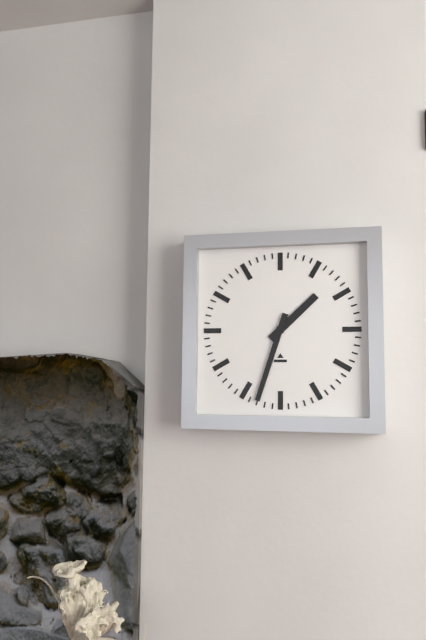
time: **1:33**
